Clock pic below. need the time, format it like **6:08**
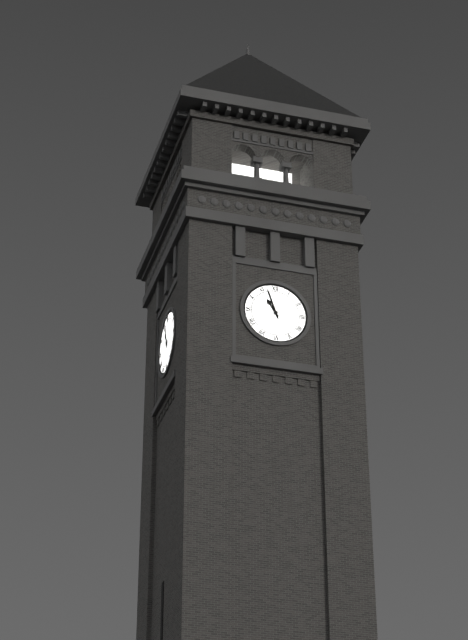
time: **10:57**
